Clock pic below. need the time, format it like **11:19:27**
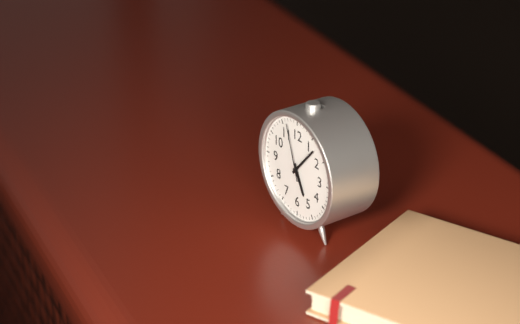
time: **5:07:57**
